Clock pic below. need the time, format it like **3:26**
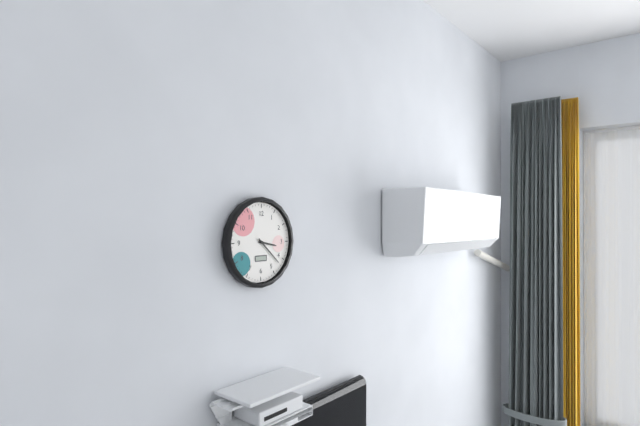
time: **3:22**
